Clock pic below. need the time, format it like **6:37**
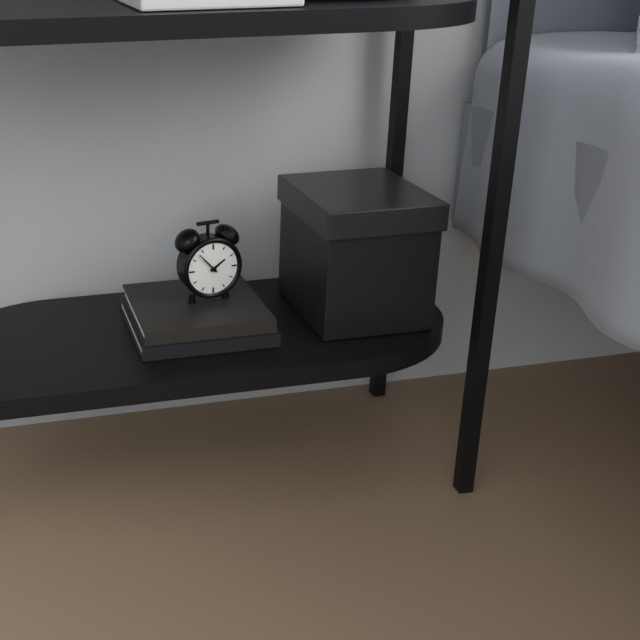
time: **1:53**
